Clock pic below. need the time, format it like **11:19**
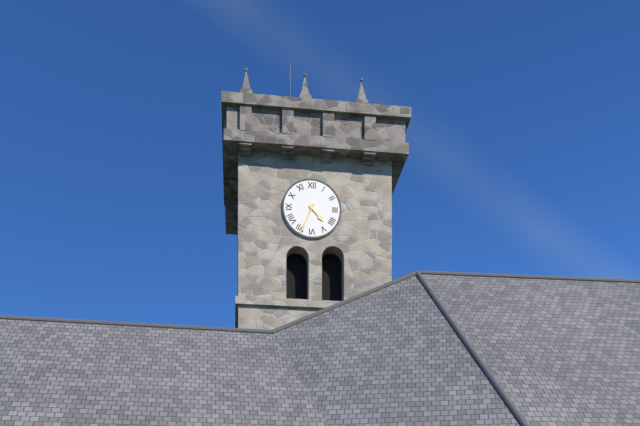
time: **4:34**
